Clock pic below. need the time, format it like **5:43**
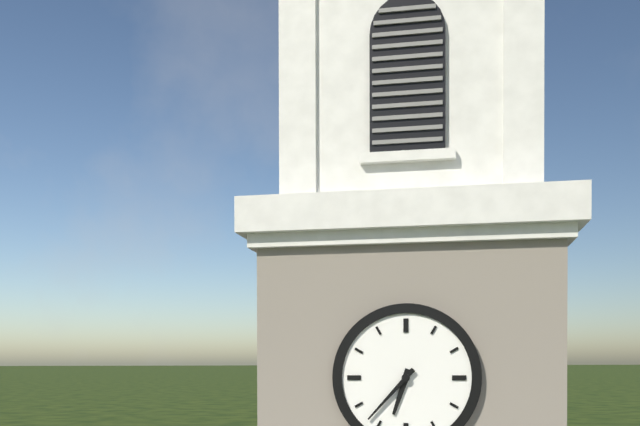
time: **6:37**
